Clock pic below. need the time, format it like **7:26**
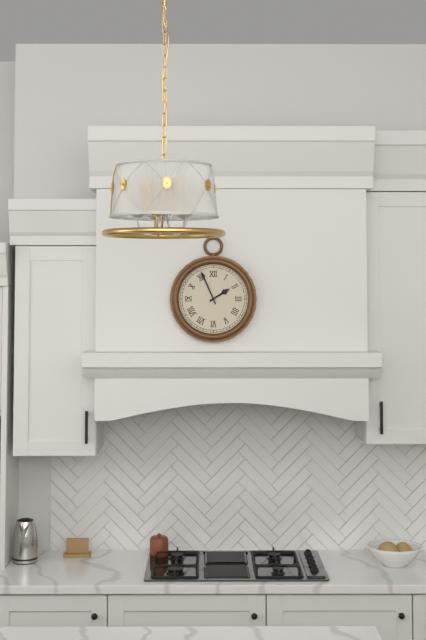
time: **1:56**
